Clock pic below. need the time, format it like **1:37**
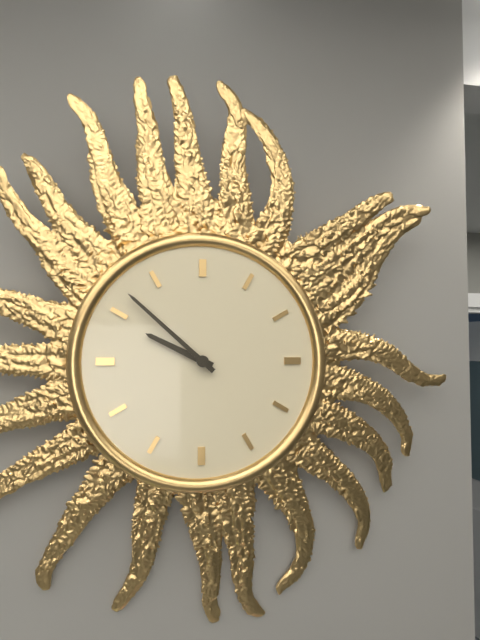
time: **9:52**
